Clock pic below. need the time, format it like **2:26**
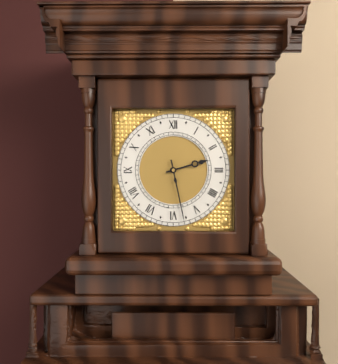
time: **2:28**
